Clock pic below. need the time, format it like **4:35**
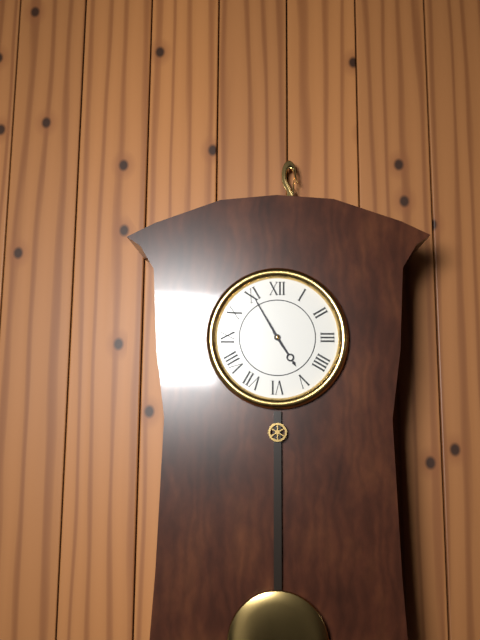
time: **4:55**
